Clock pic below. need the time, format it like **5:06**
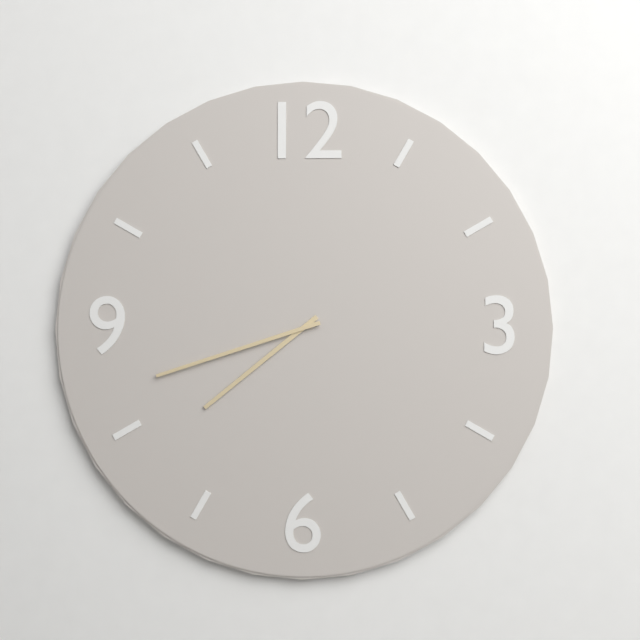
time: **7:42**
